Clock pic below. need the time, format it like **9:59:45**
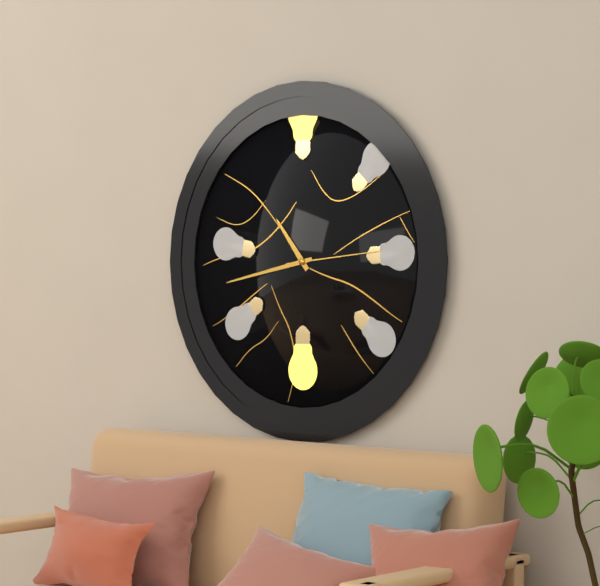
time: **10:43:14**
